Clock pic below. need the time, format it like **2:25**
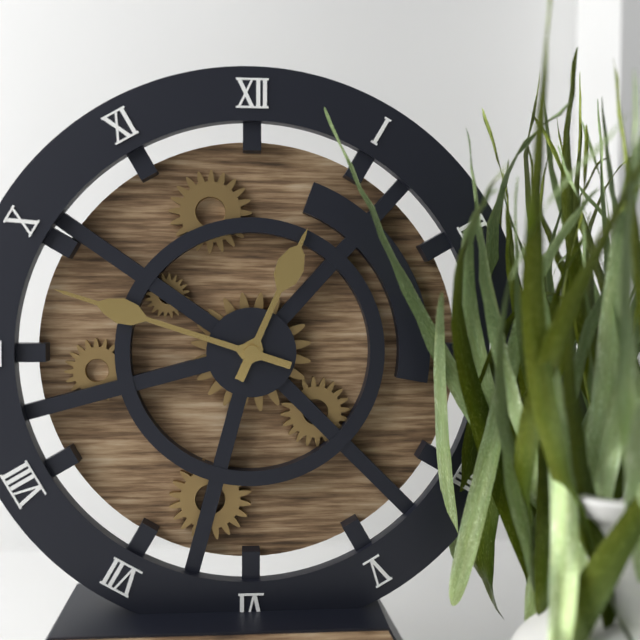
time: **12:48**
